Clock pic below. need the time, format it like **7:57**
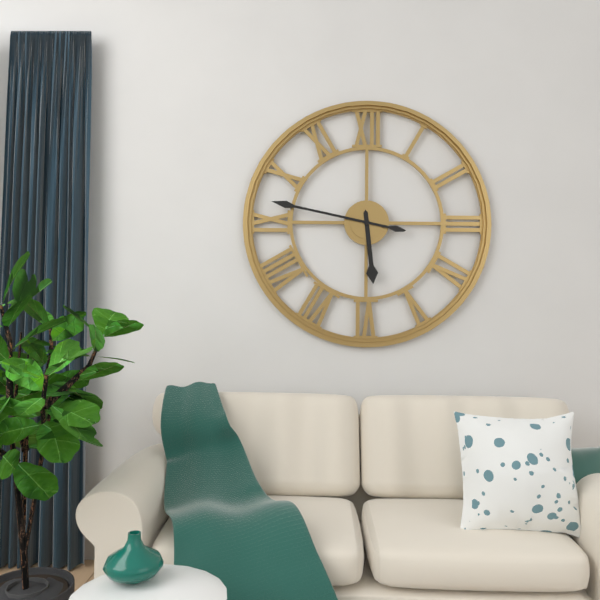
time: **5:47**
